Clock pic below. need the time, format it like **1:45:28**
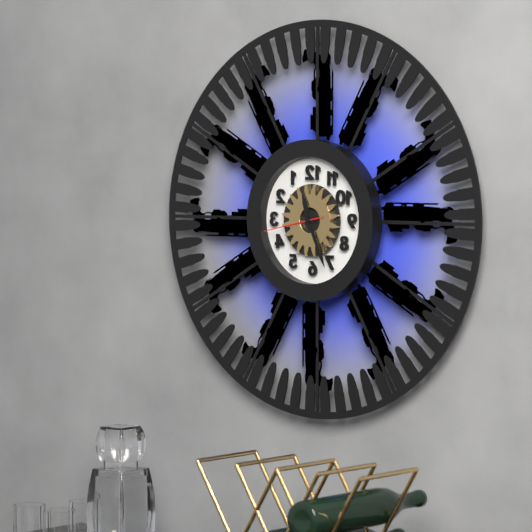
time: **11:26:43**
